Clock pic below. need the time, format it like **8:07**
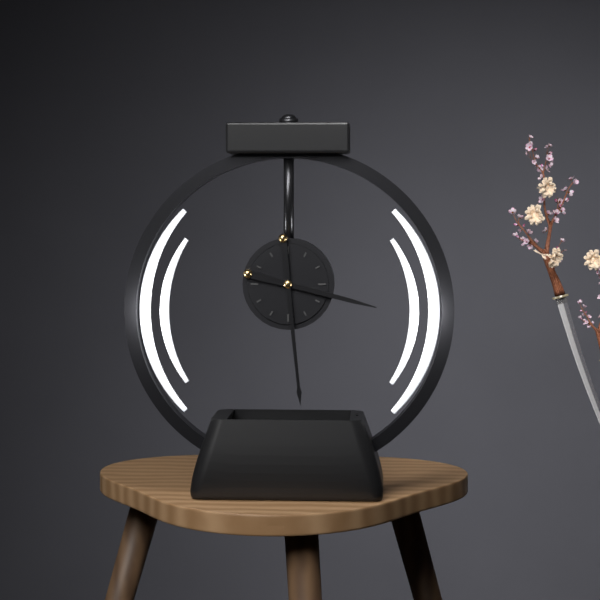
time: **3:29**
